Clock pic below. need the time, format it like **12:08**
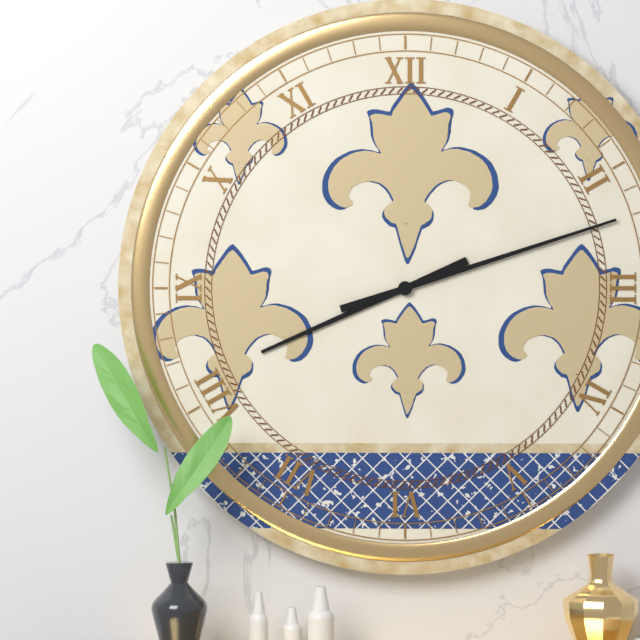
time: **8:12**
